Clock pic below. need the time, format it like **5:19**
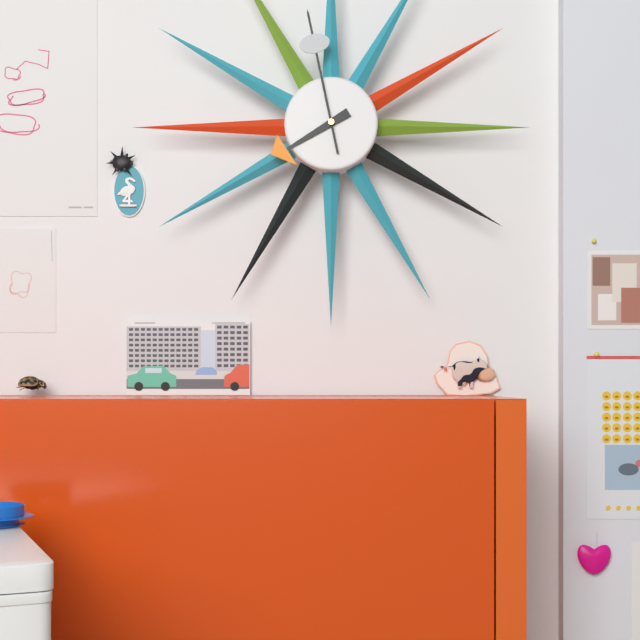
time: **7:58**
